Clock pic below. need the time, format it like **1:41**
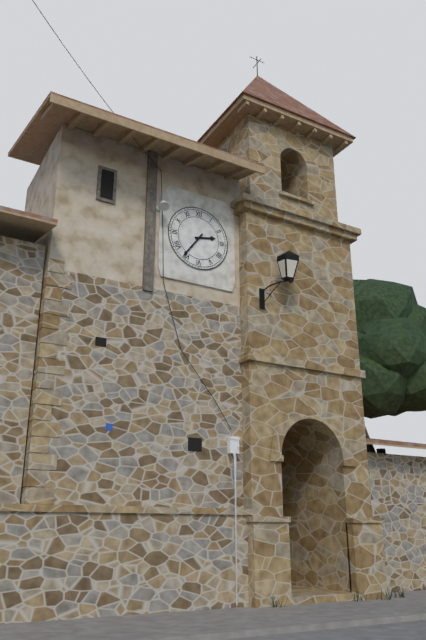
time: **2:36**
